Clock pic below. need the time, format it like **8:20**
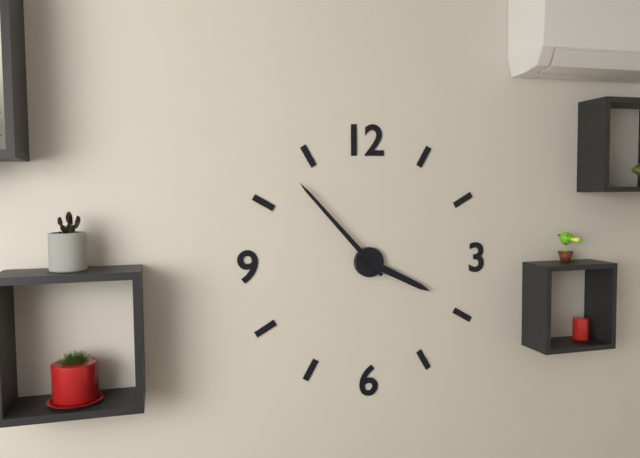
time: **3:53**
